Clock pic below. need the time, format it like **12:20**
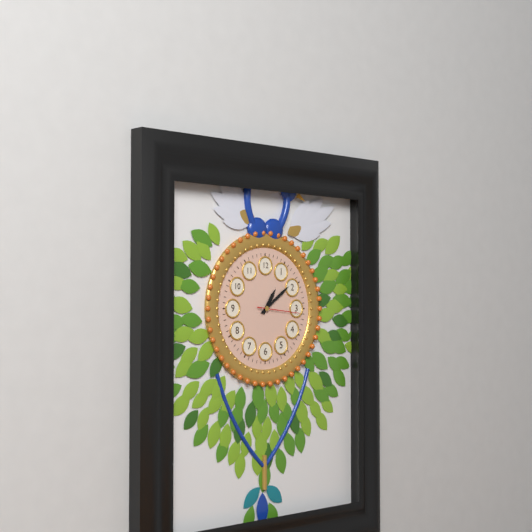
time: **1:09**
